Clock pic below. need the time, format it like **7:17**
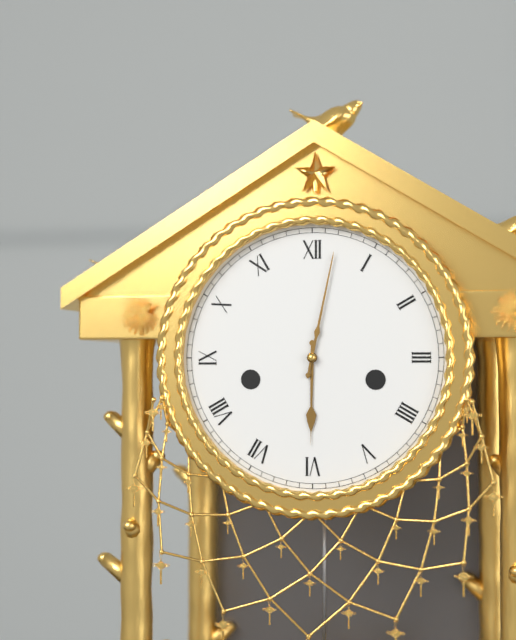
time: **6:02**
